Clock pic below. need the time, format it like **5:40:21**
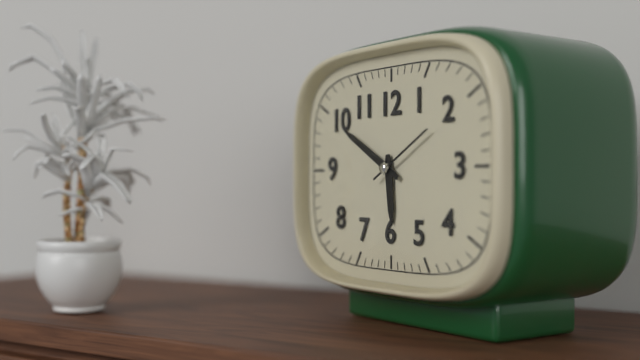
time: **5:50:10**
